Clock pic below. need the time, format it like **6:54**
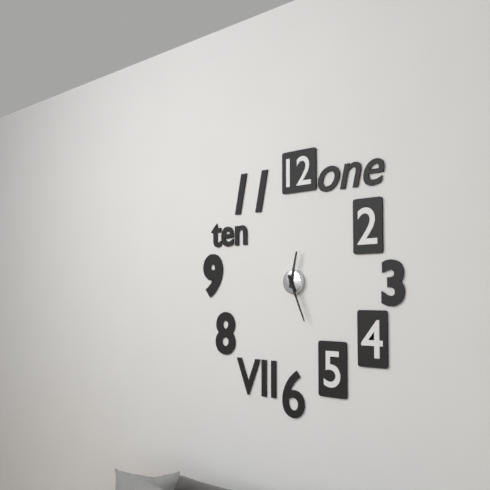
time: **12:26**
